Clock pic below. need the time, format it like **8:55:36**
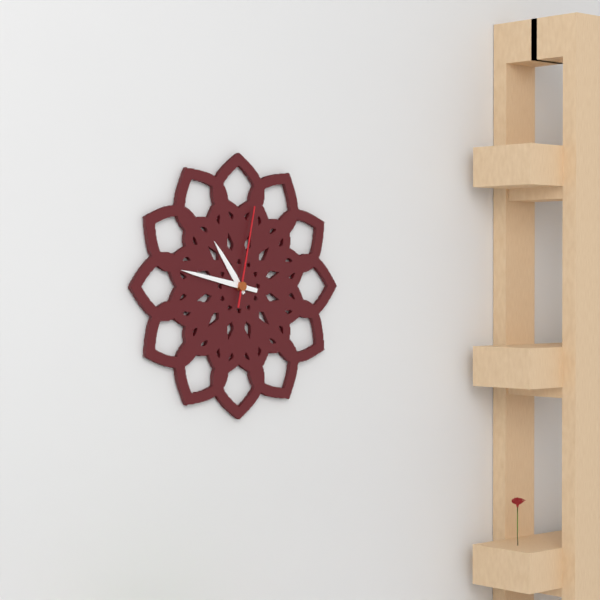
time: **10:47:02**
